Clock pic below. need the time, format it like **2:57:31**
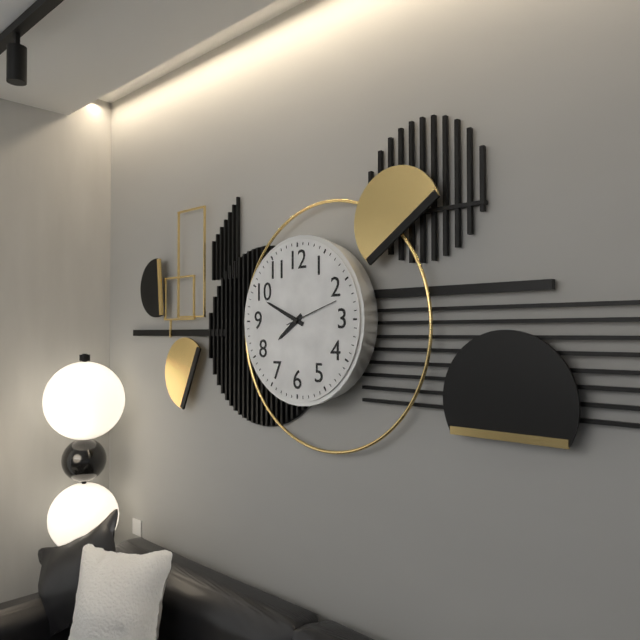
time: **7:49:12**
